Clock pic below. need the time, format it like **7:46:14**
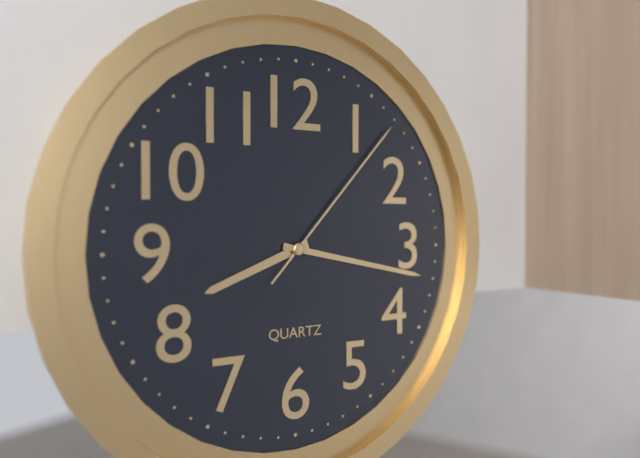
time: **8:17:07**
